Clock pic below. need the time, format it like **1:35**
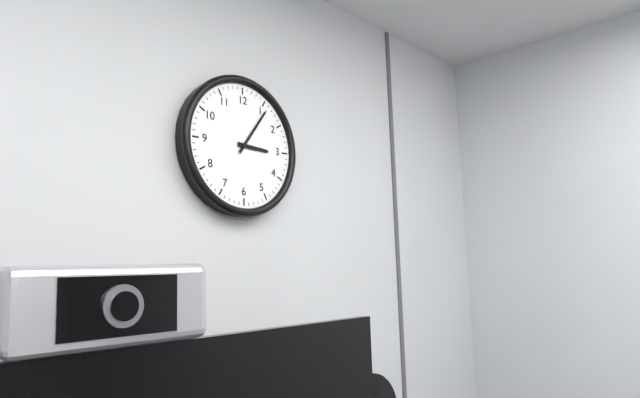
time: **3:06**
